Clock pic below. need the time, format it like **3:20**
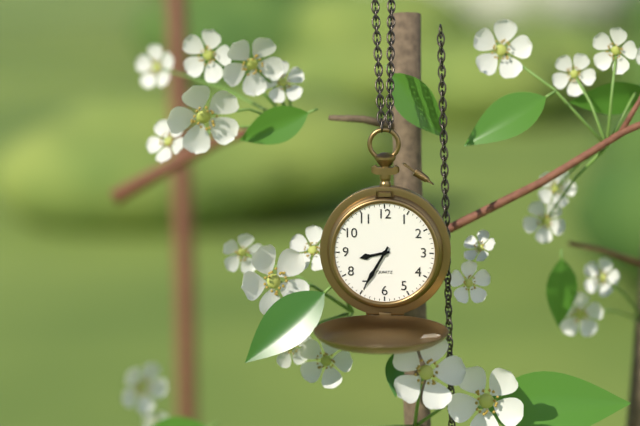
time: **8:35**
